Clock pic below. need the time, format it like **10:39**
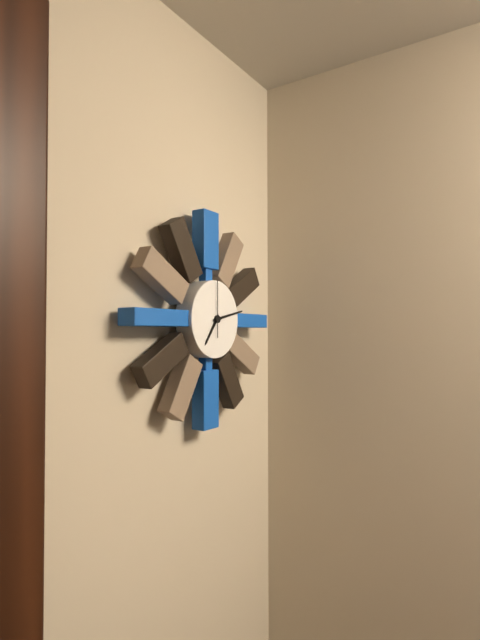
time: **7:13**
